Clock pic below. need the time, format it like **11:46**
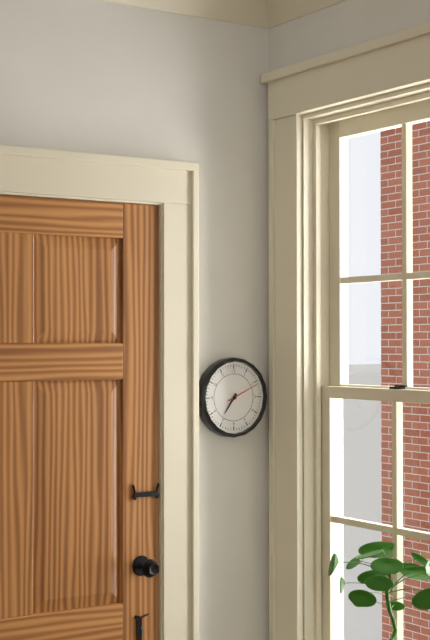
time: **7:11**
